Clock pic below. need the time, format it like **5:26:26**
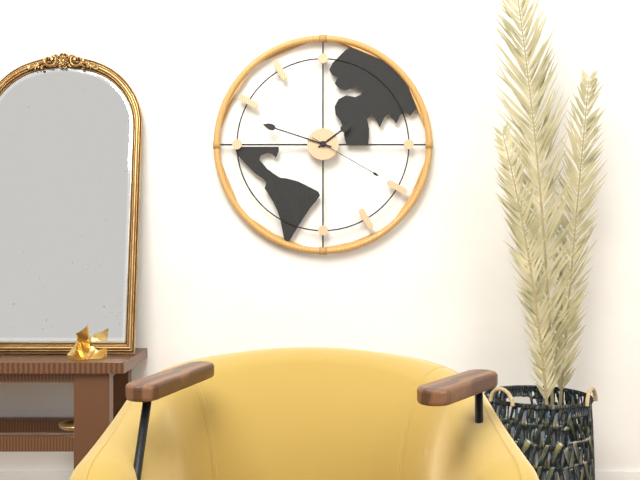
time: **1:48:20**
